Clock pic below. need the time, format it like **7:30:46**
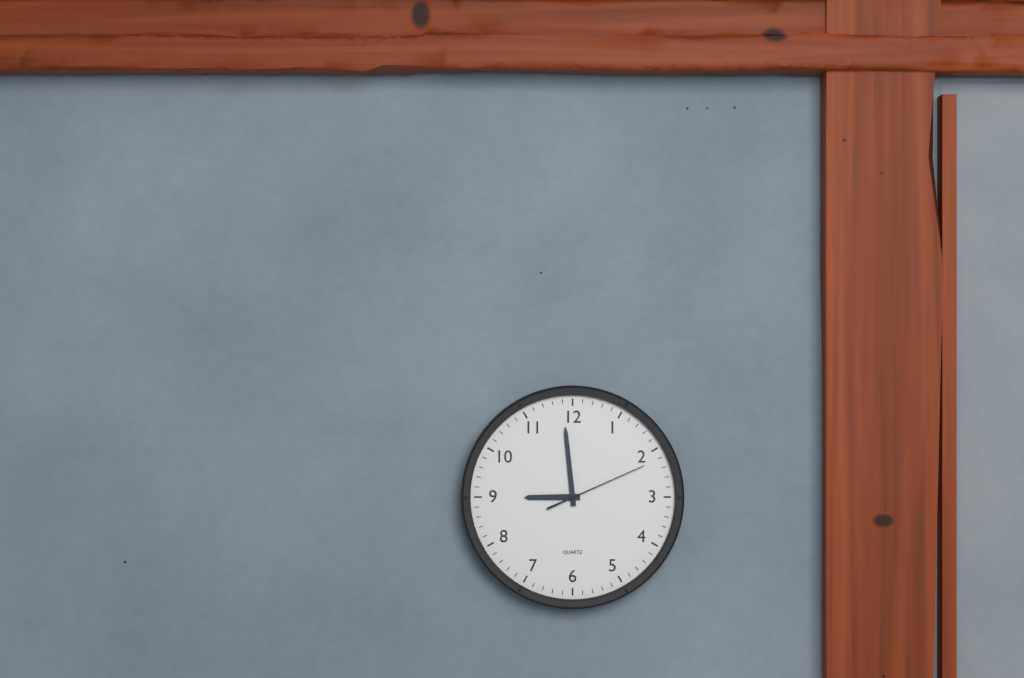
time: **8:59:11**
